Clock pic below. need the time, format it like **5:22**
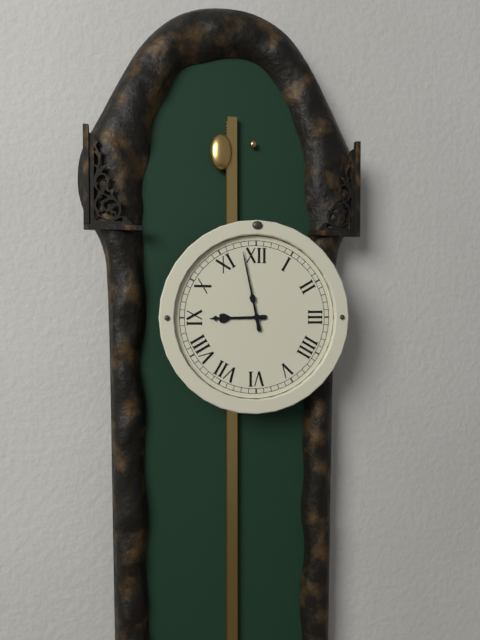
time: **8:58**
